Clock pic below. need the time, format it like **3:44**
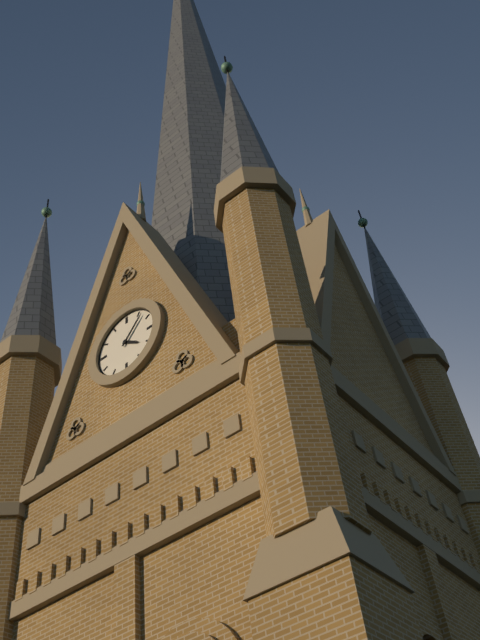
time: **4:07**
